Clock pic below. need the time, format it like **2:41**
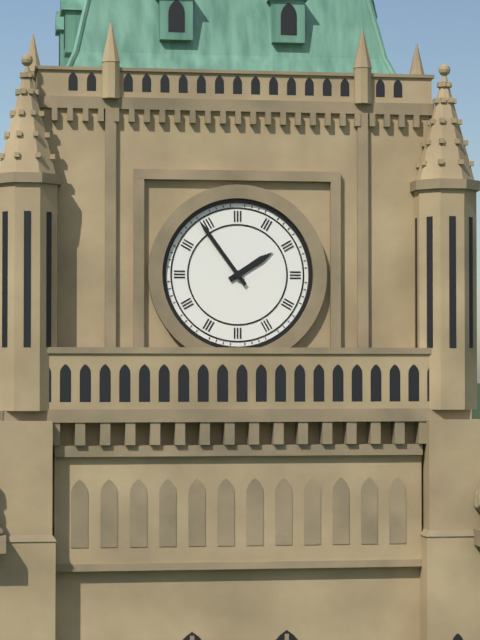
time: **1:54**
